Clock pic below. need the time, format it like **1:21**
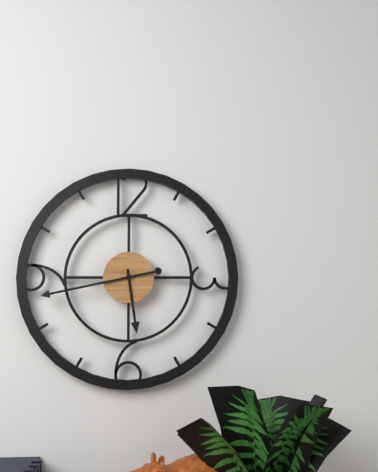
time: **5:43**
